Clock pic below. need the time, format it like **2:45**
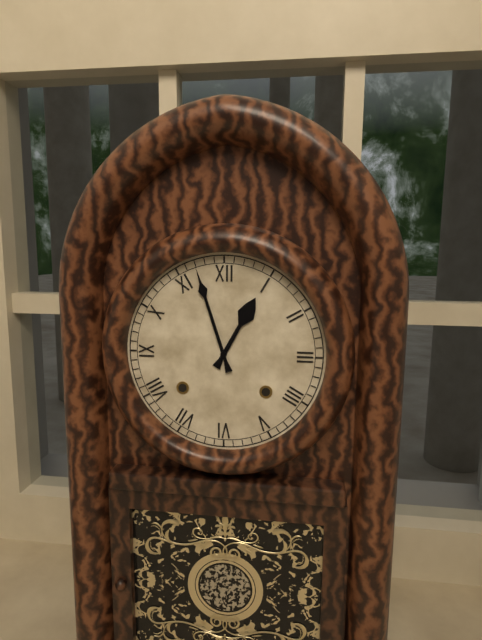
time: **12:57**
